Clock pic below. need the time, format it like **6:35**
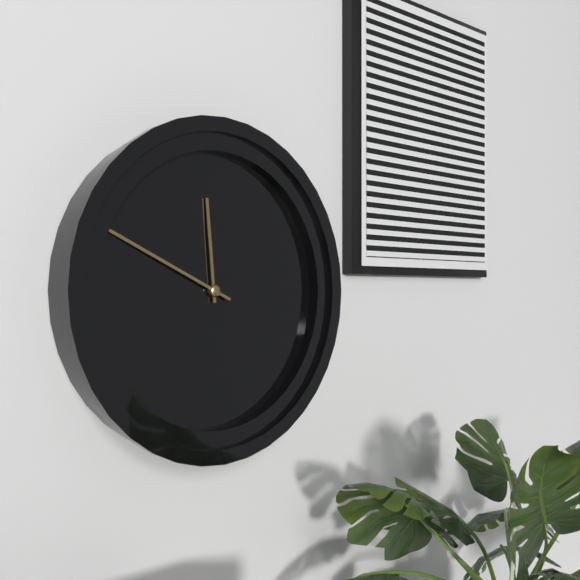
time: **11:49**
